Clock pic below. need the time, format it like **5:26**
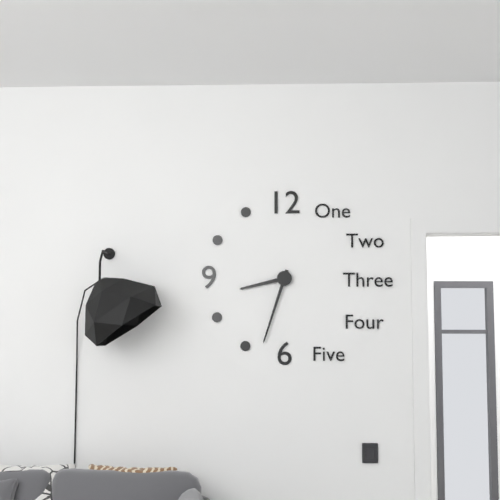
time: **8:33**
